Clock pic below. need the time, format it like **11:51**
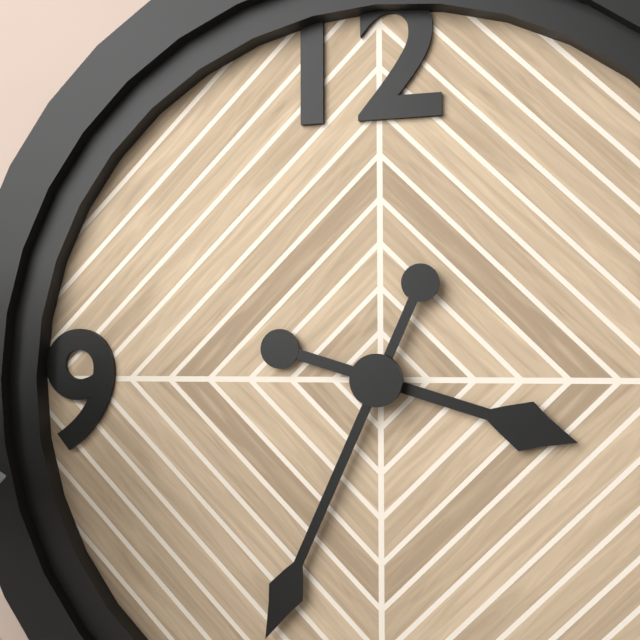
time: **3:34**
